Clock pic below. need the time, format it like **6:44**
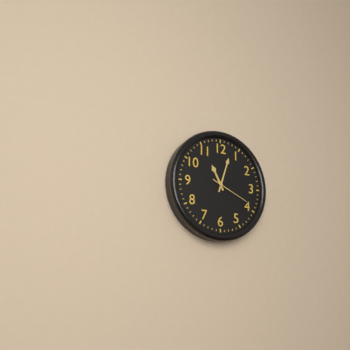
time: **11:03**
